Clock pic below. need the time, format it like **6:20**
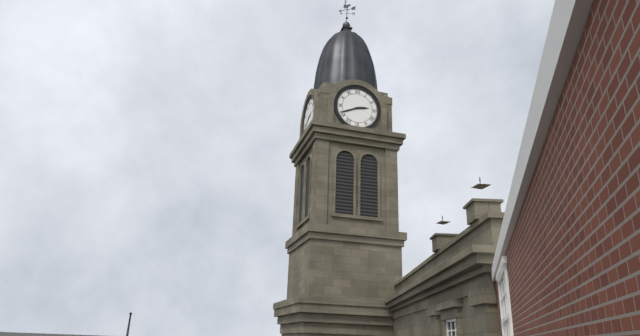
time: **2:41**
